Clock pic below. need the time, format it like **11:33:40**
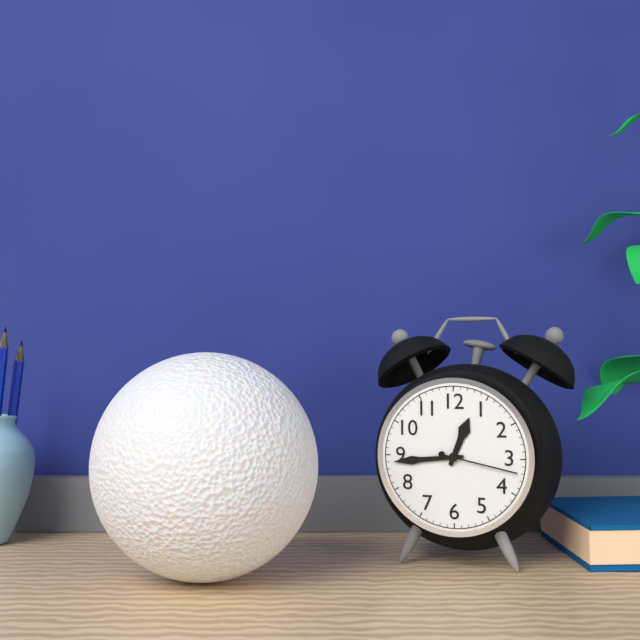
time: **12:44:17**
